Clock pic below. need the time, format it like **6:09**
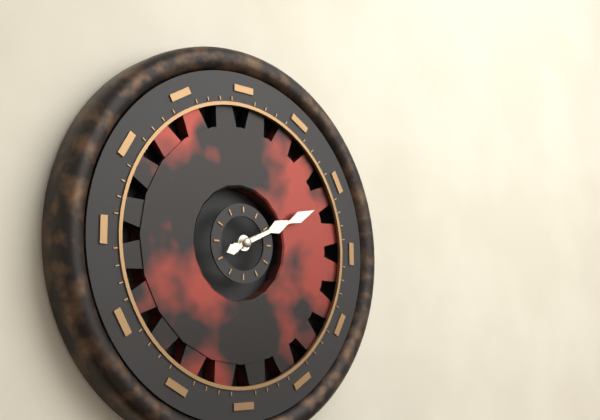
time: **2:11**
